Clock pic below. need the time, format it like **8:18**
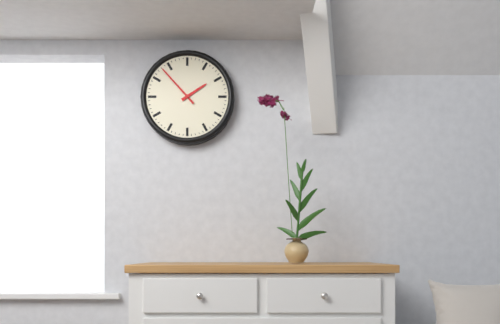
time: **1:53**
